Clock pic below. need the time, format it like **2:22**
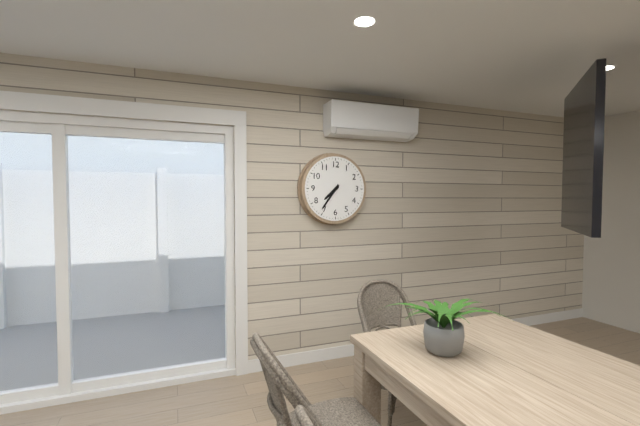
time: **7:36**
